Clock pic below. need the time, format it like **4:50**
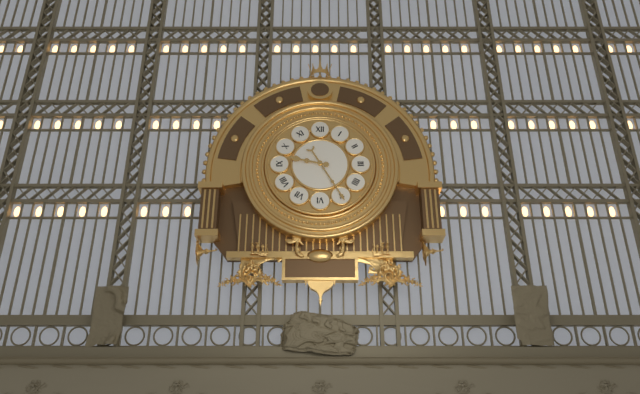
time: **9:25**
